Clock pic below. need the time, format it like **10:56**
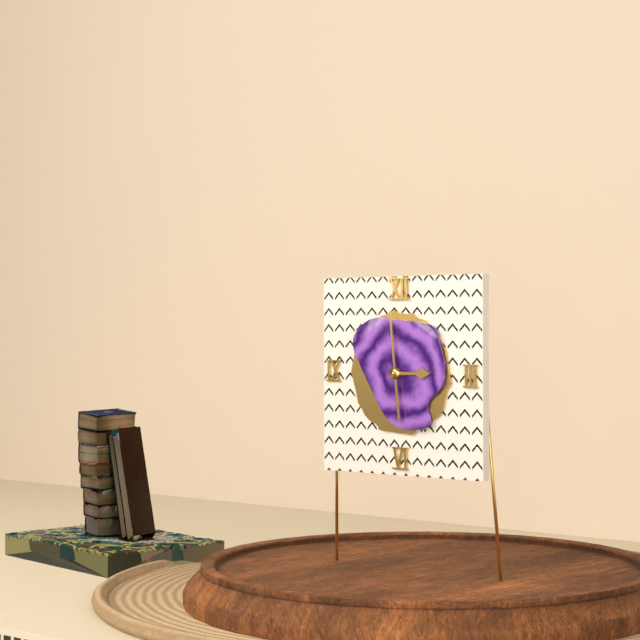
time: **2:59**
